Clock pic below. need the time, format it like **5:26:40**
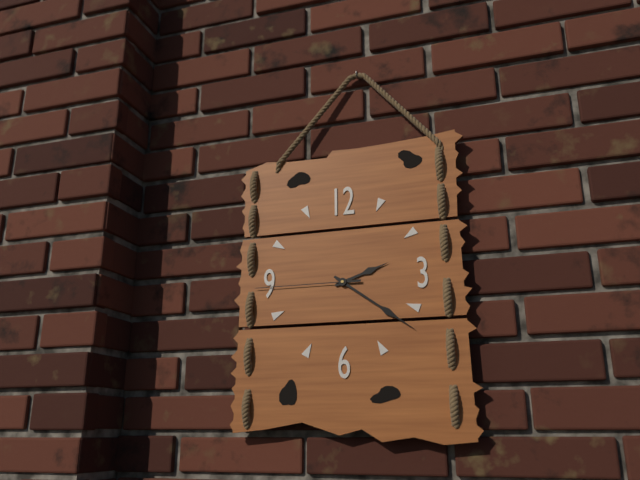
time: **2:21:45**
